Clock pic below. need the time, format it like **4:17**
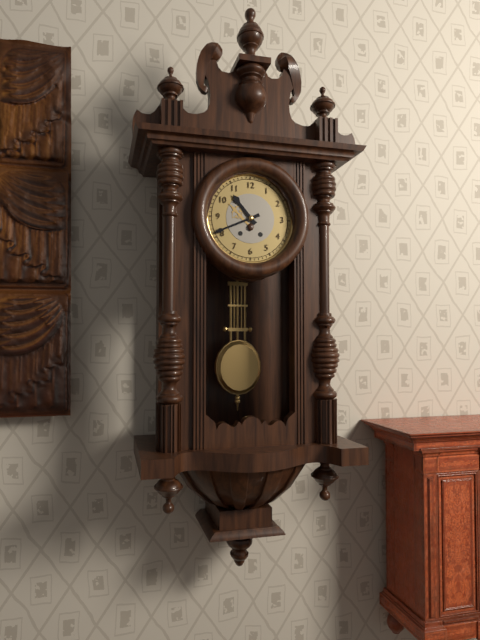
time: **10:41**
